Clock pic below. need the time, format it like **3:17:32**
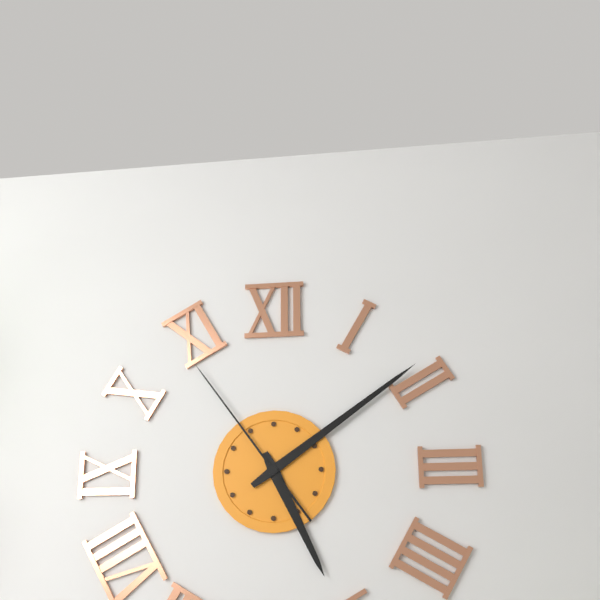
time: **5:09:54**
